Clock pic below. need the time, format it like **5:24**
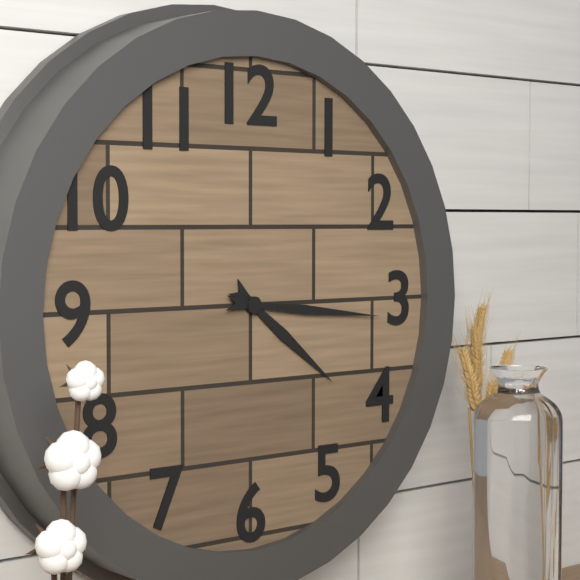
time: **4:16**
